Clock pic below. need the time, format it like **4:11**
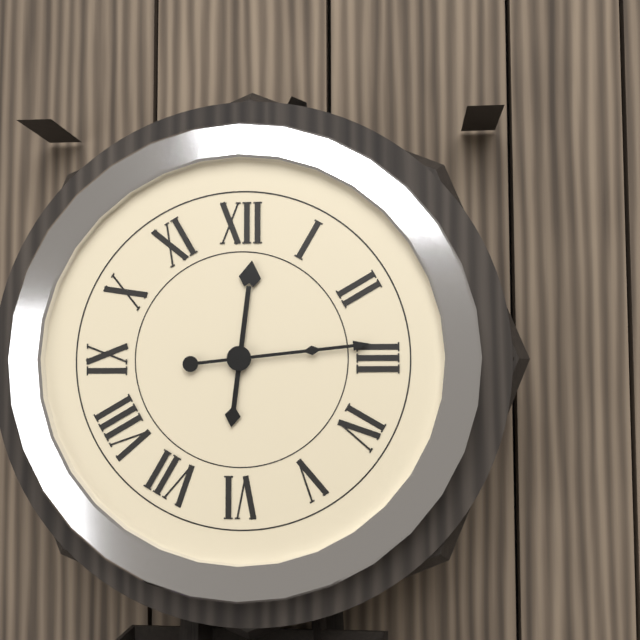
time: **12:14**
